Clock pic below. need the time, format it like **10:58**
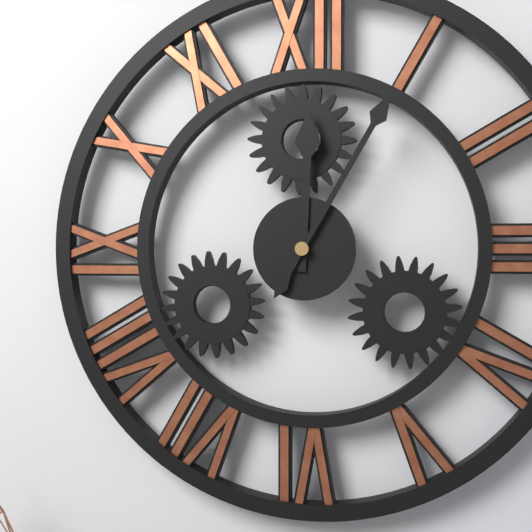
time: **12:05**
